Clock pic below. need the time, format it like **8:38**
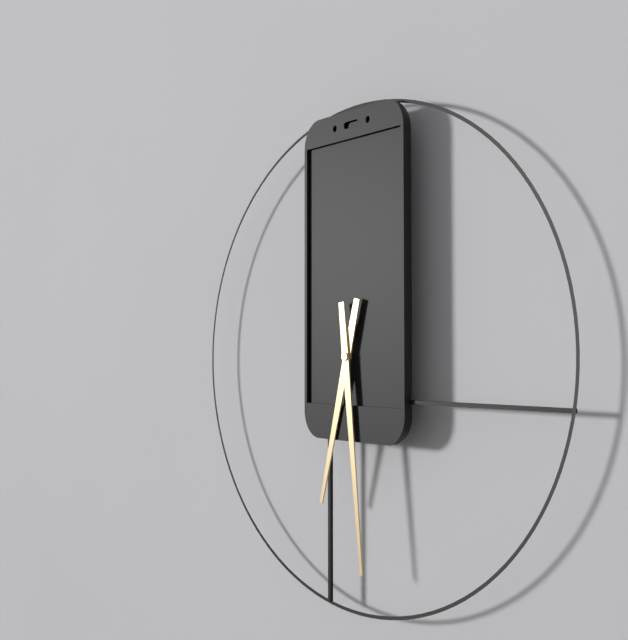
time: **6:29**
